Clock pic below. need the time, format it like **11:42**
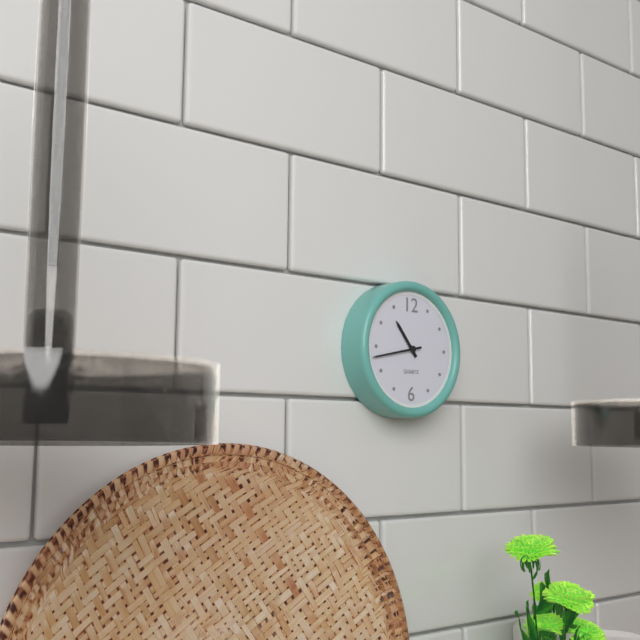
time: **10:43**
